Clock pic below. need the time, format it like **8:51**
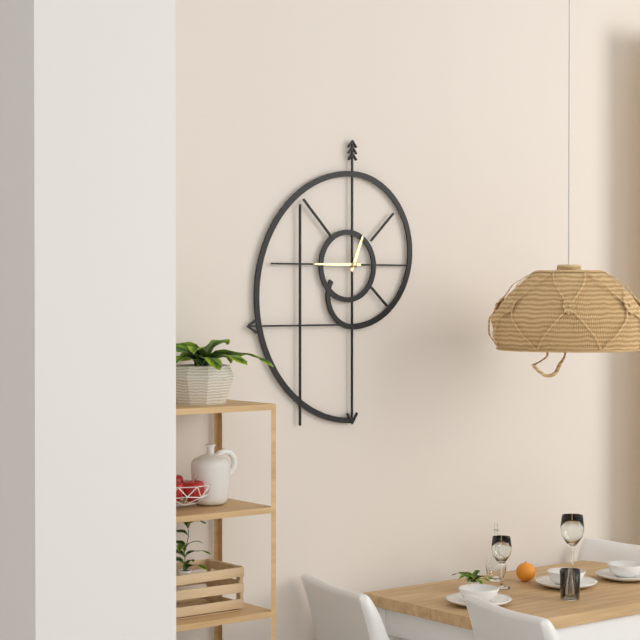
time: **12:45**
